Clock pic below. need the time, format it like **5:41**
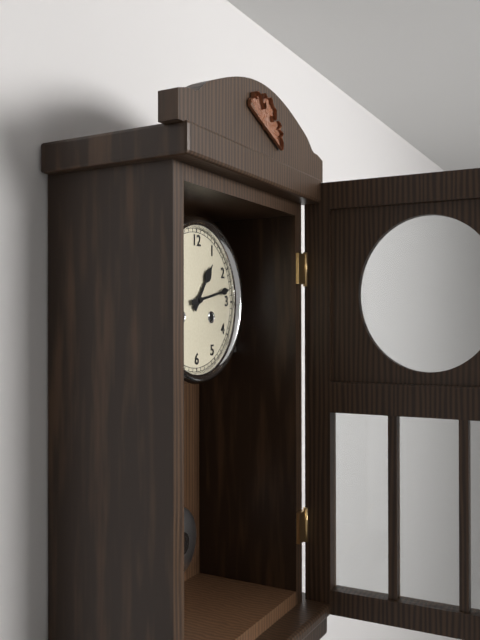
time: **1:13**
